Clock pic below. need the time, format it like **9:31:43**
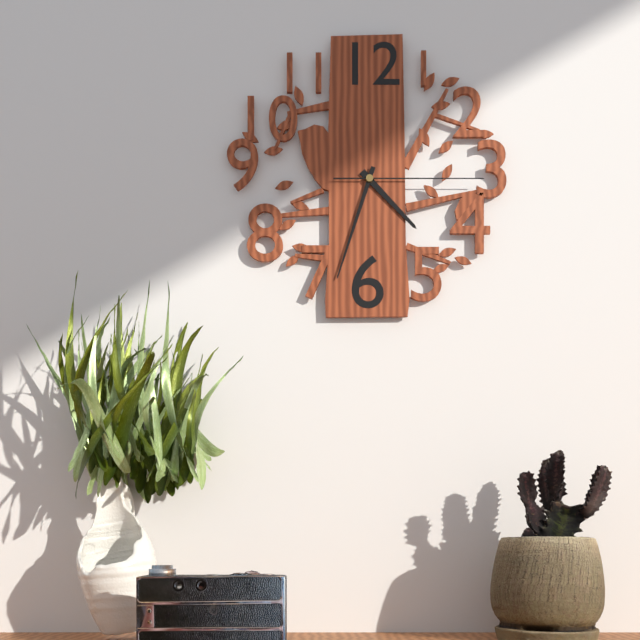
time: **4:33:15**
